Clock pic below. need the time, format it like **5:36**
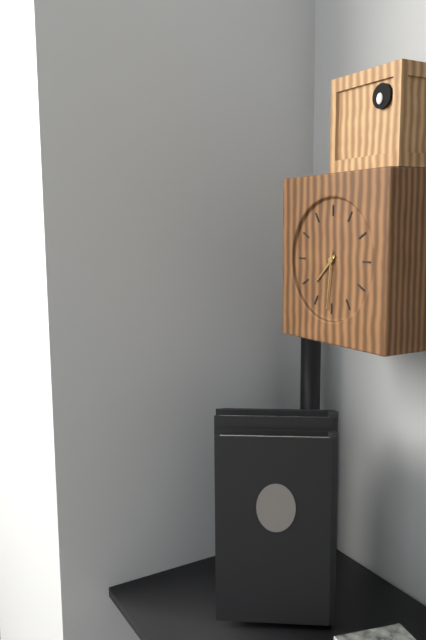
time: **7:31**
